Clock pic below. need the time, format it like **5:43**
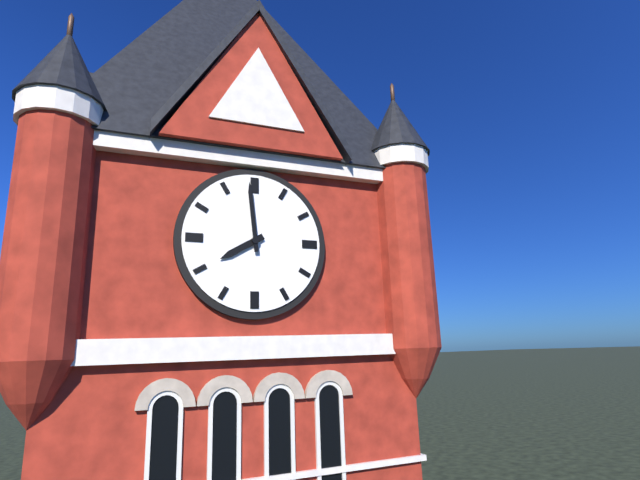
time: **7:59**
